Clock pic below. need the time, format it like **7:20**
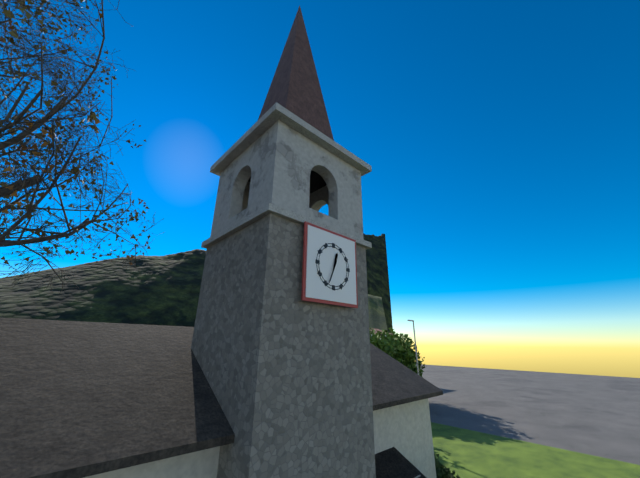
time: **12:34**
